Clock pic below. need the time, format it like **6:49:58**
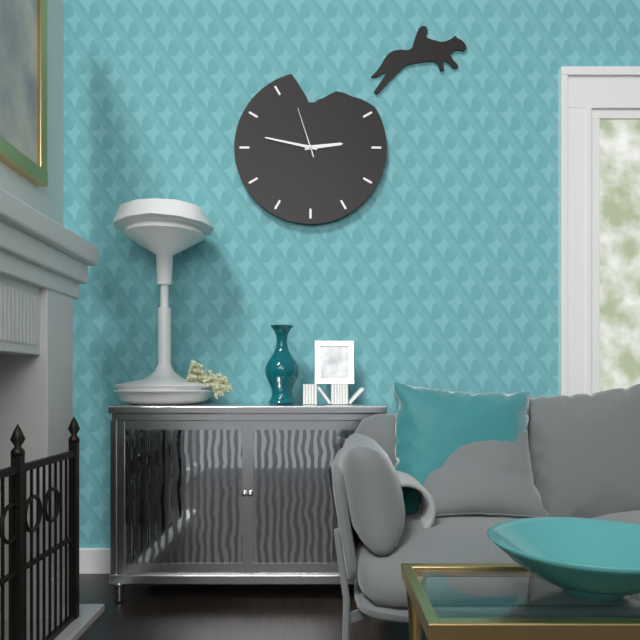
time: **2:47:57**
